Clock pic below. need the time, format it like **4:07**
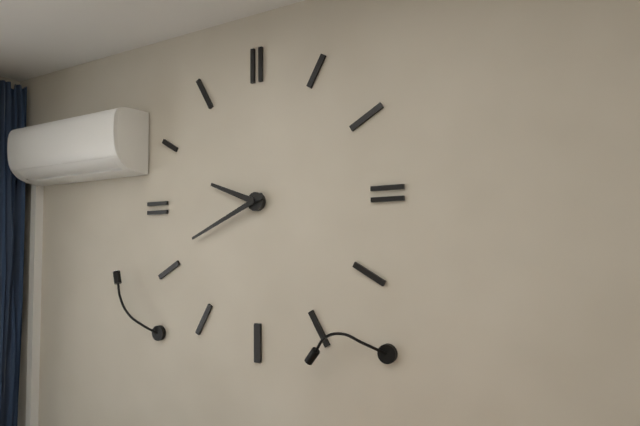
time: **9:41**
